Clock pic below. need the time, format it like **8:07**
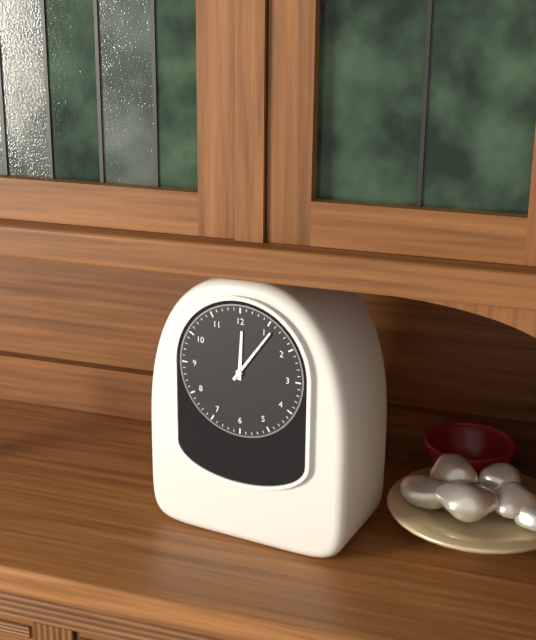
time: **12:06**
